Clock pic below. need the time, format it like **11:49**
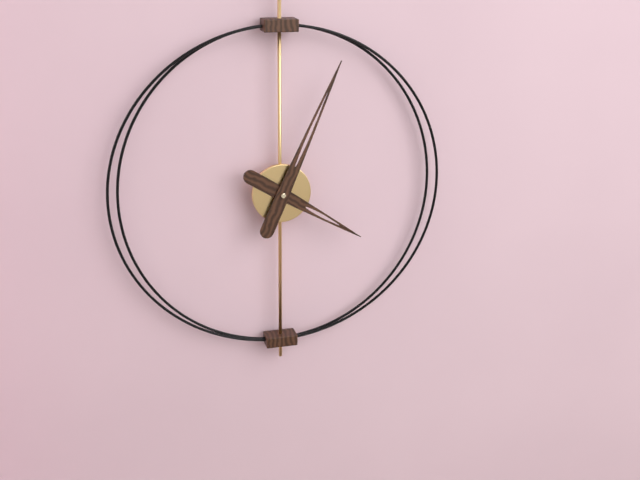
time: **4:04**
